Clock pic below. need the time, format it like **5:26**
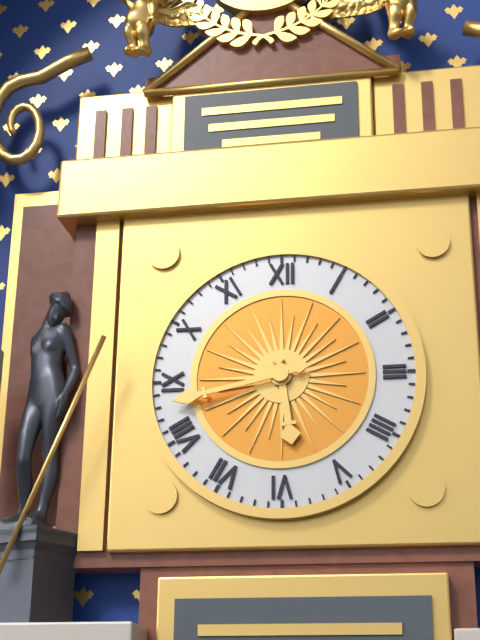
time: **5:43**
